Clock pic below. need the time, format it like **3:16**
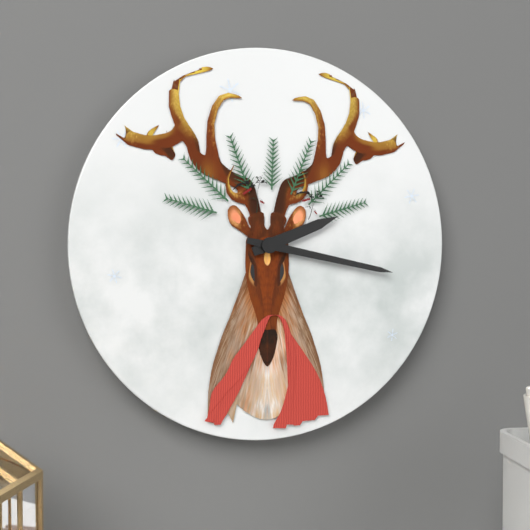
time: **2:17**
